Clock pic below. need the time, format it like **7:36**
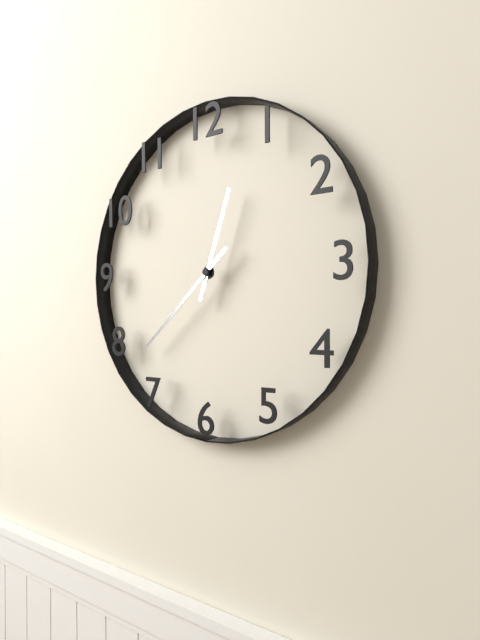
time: **12:38**
